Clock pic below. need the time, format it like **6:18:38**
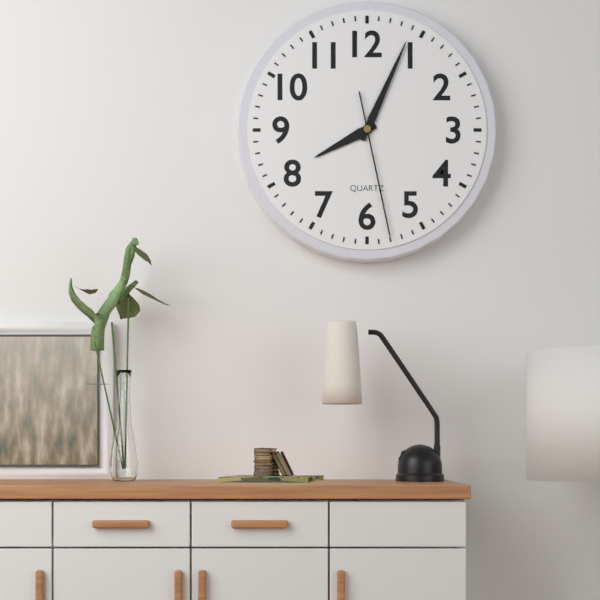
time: **8:04:28**
